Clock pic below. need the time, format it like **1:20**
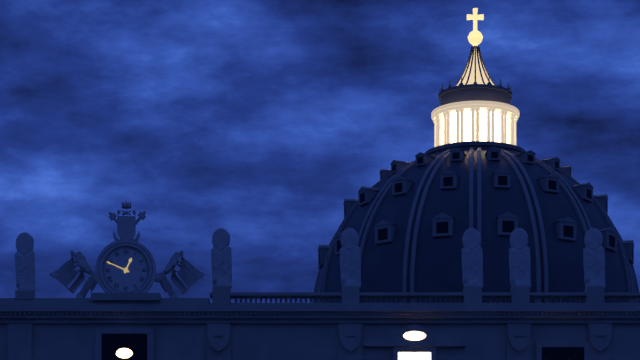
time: **12:49**
